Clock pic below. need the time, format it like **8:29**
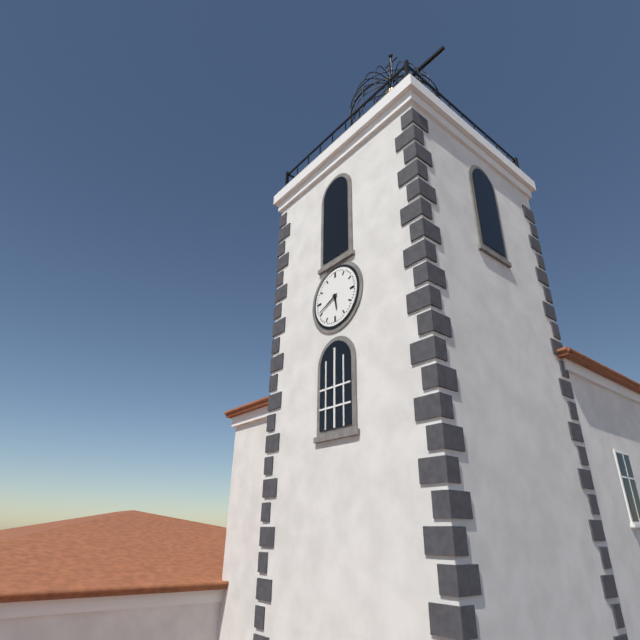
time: **5:41**
